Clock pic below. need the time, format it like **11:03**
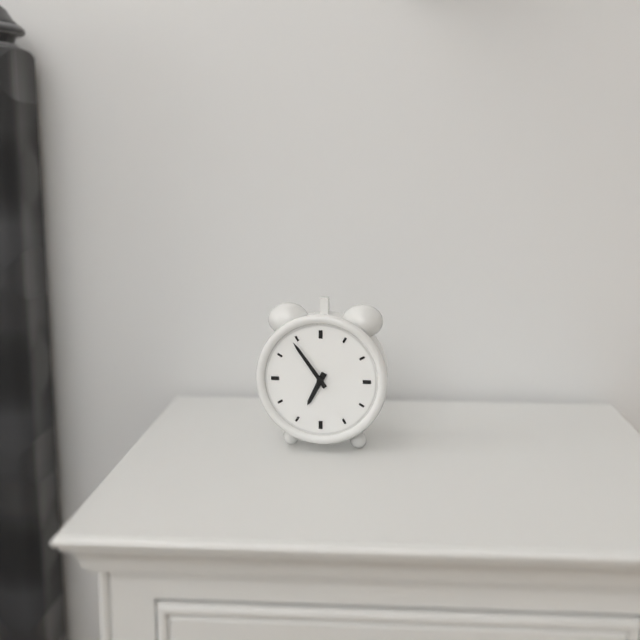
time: **6:54**
